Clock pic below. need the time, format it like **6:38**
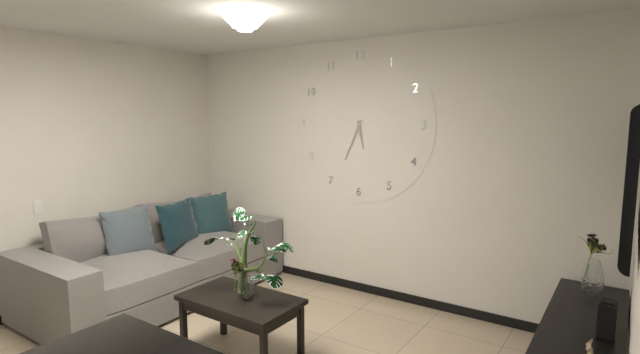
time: **5:34**
